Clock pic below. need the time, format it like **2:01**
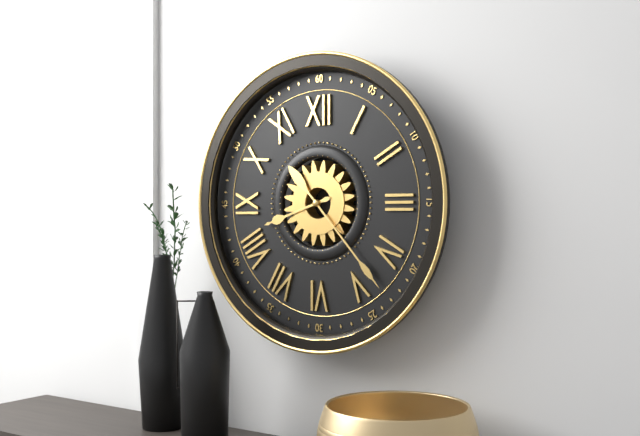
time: **8:23**
